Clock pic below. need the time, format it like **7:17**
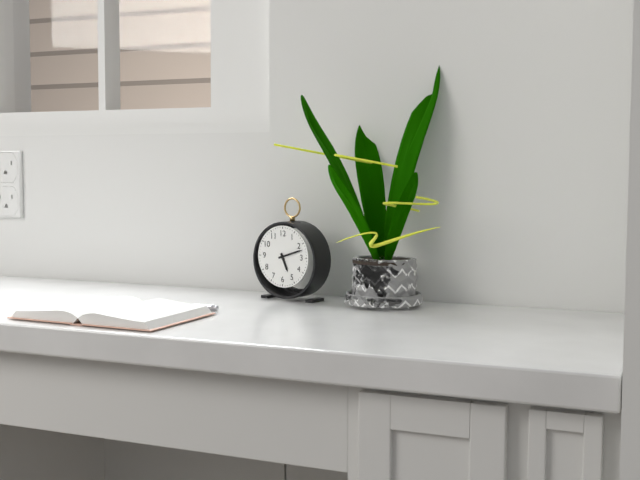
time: **5:12**
